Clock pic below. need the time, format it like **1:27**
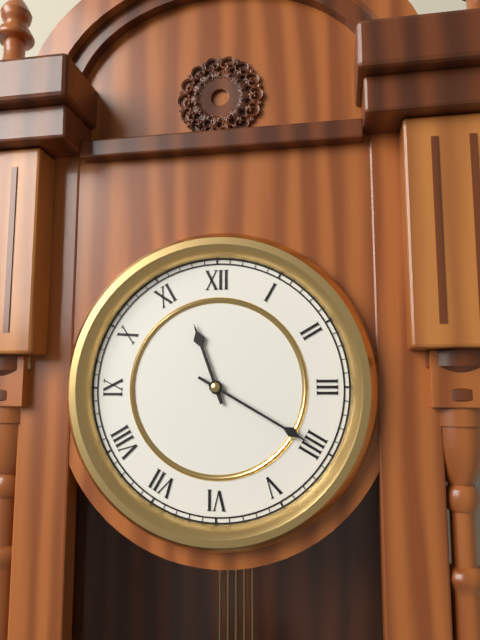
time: **11:20**
